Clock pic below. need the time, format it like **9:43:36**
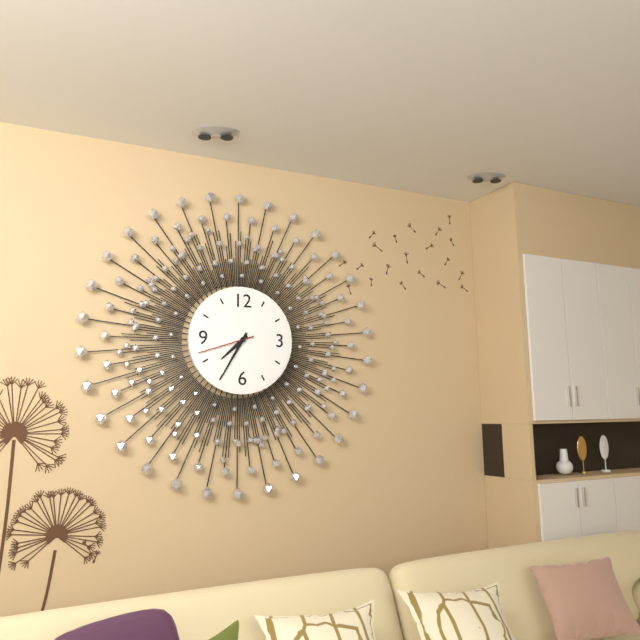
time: **7:35:42**
